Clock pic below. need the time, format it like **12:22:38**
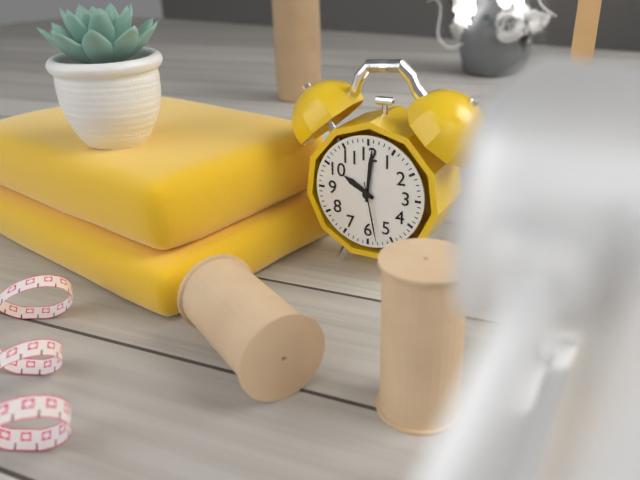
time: **10:01:28**
